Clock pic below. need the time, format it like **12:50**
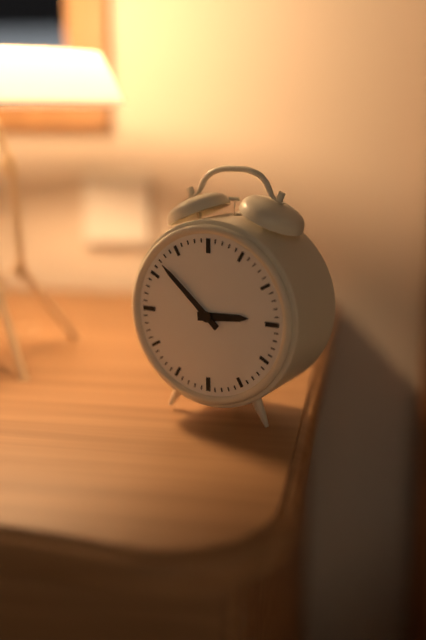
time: **2:52**
